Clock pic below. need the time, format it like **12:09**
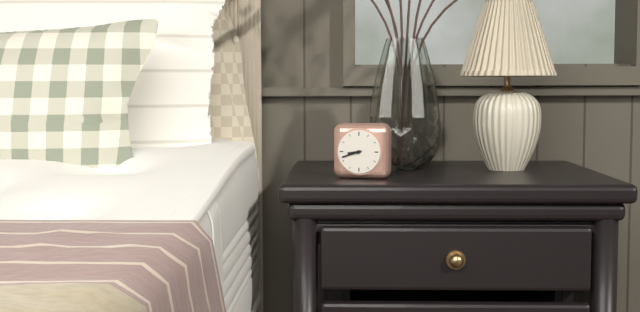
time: **8:42**
